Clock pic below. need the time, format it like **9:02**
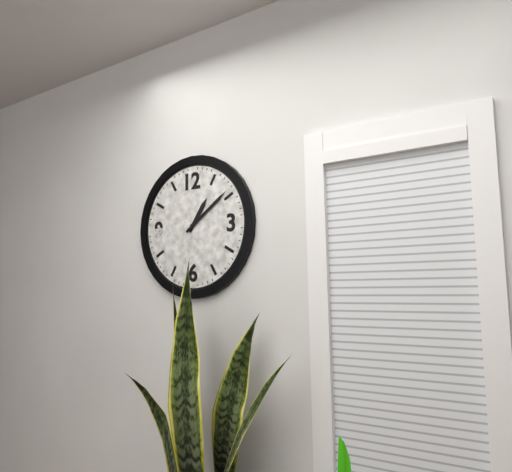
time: **1:09**
